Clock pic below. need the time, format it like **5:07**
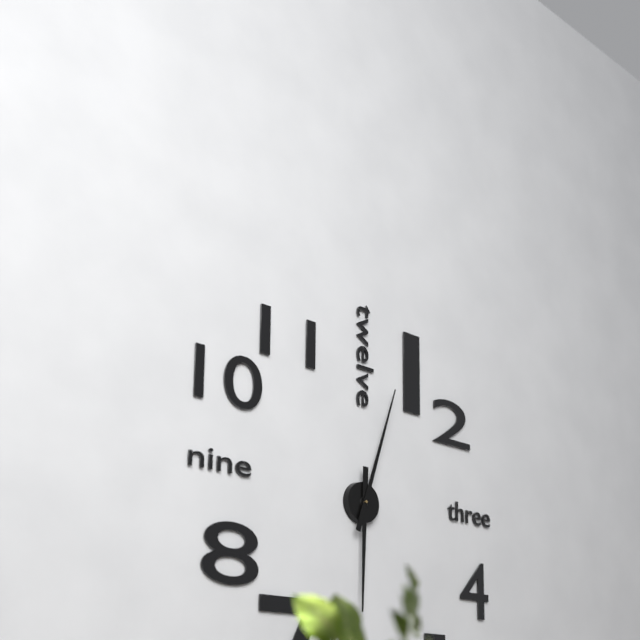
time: **6:03**
